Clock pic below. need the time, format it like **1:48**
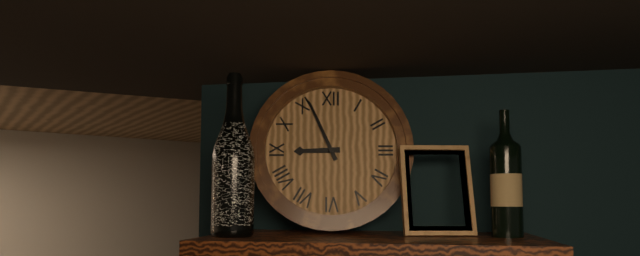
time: **8:56**
